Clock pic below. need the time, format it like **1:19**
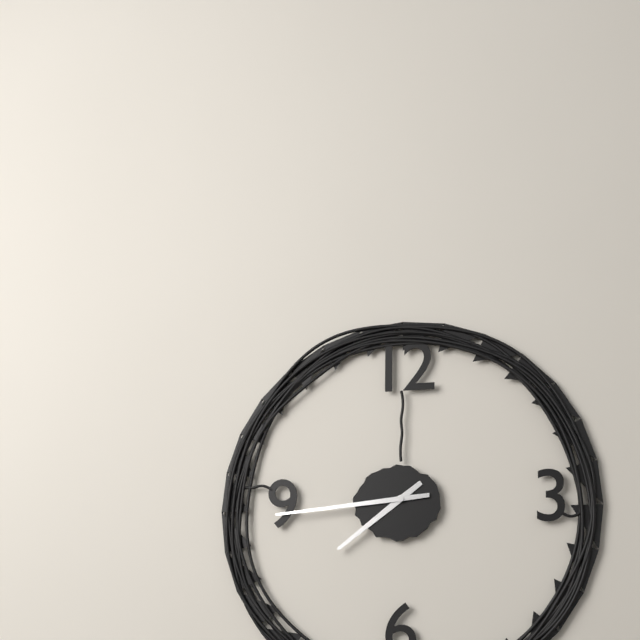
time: **7:44**
